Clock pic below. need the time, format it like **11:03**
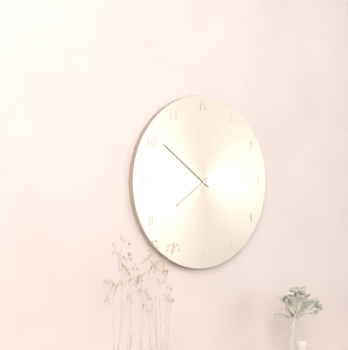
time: **7:51**
